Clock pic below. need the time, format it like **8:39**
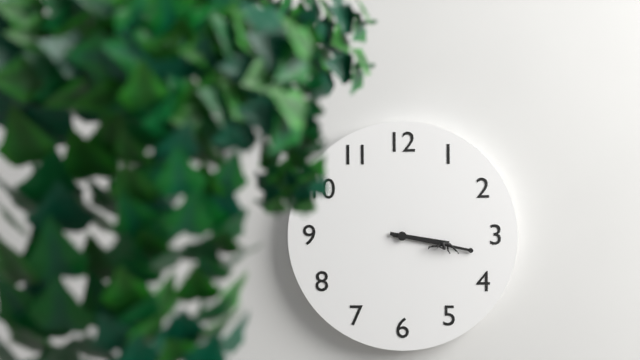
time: **3:17**
